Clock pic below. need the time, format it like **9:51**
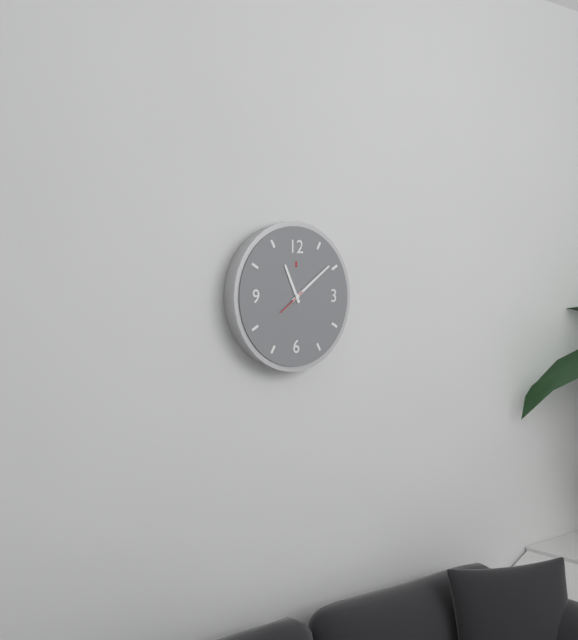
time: **11:09**
